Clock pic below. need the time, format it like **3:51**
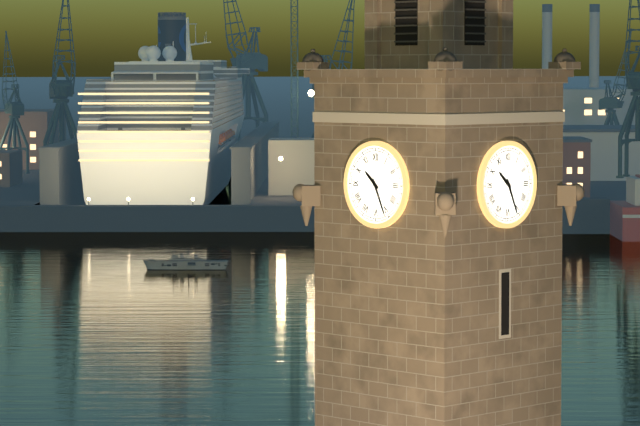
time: **10:26**
